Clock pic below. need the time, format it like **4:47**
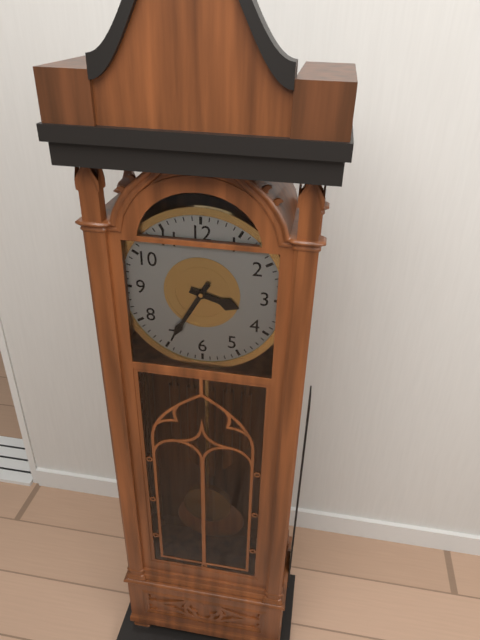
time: **3:35**
